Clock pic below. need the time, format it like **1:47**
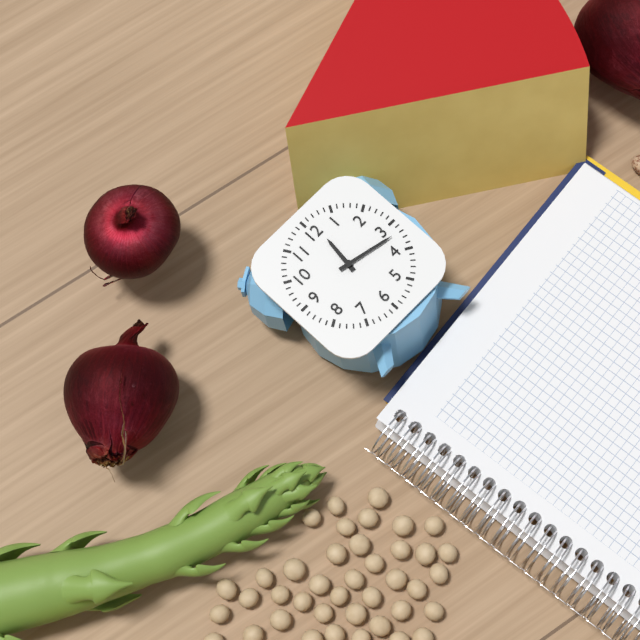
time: **12:17**
